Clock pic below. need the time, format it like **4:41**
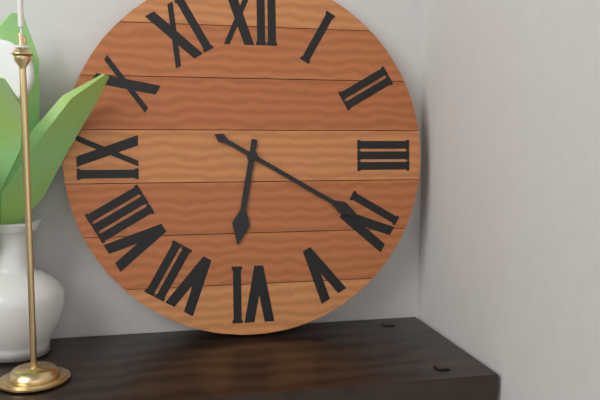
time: **6:20**
